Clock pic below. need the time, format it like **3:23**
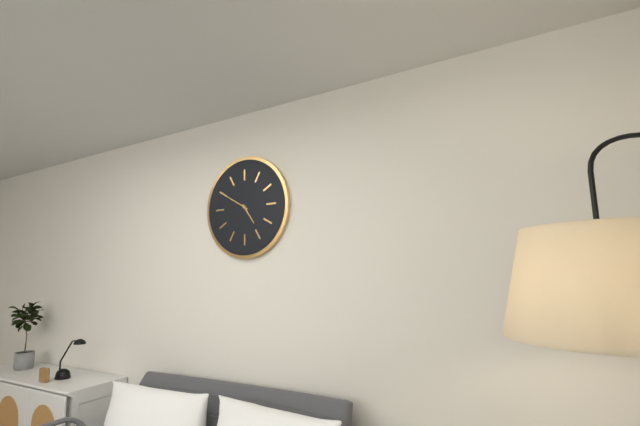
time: **4:50**
